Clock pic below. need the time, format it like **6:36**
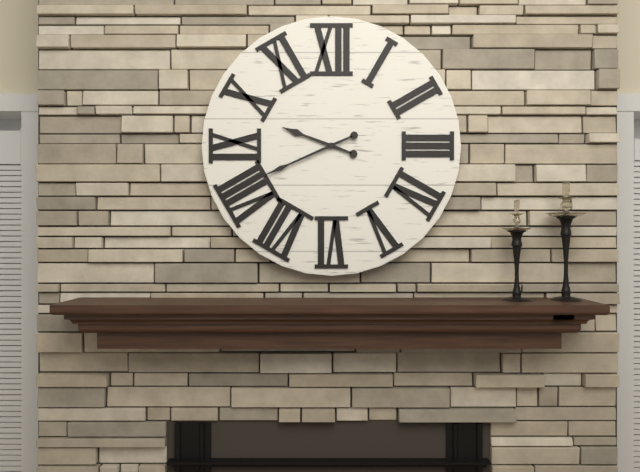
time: **9:41**
